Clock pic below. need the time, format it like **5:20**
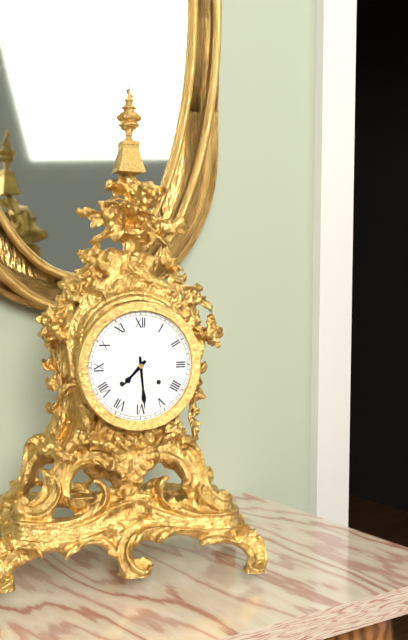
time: **7:29**
